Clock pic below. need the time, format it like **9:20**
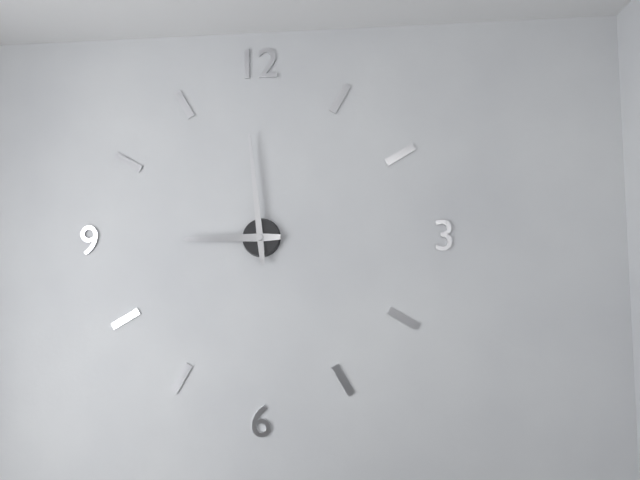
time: **8:59**
